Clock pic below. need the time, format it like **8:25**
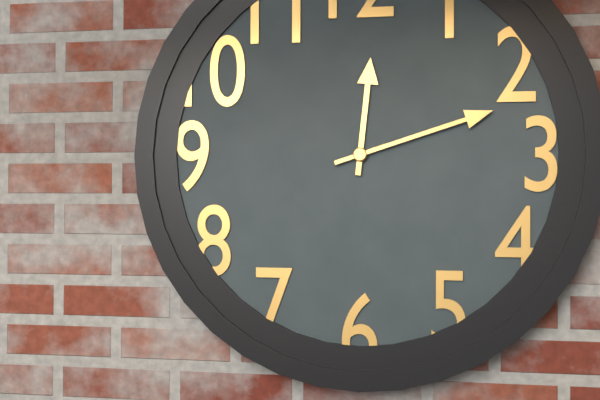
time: **12:12**
